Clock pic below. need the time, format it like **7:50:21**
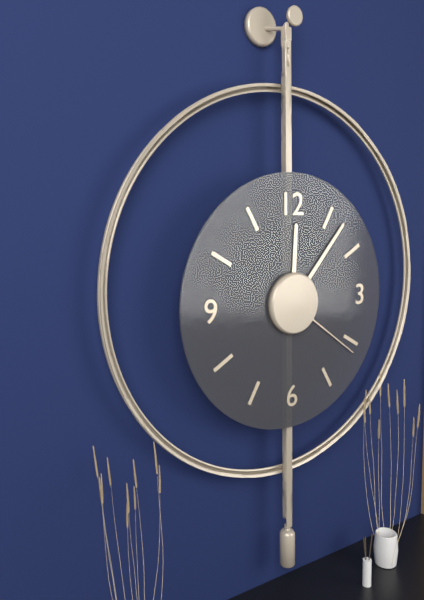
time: **12:07:21**
